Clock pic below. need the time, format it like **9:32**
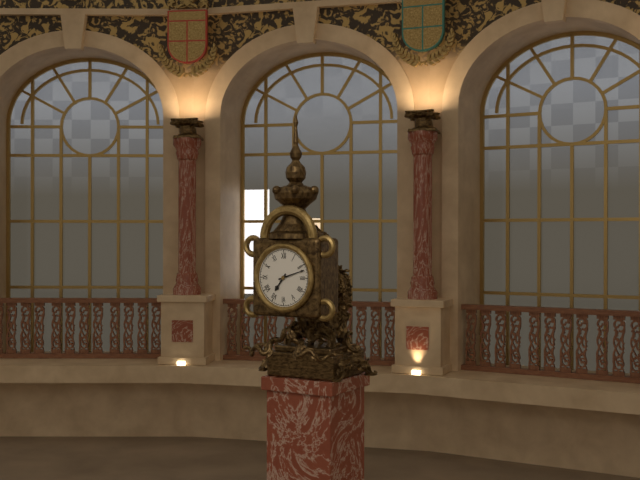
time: **7:12**
